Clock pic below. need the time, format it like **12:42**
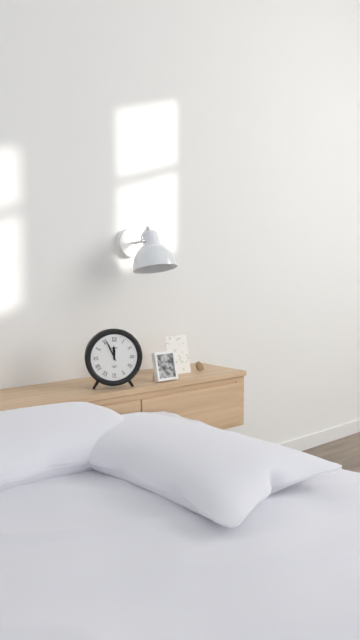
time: **11:56**
